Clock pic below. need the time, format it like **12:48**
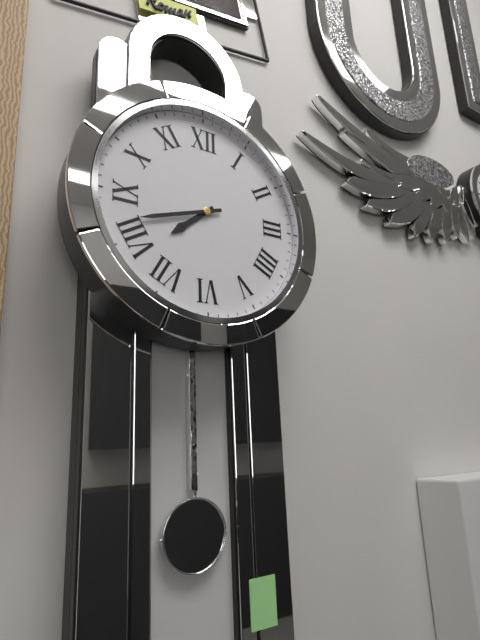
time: **7:42**
